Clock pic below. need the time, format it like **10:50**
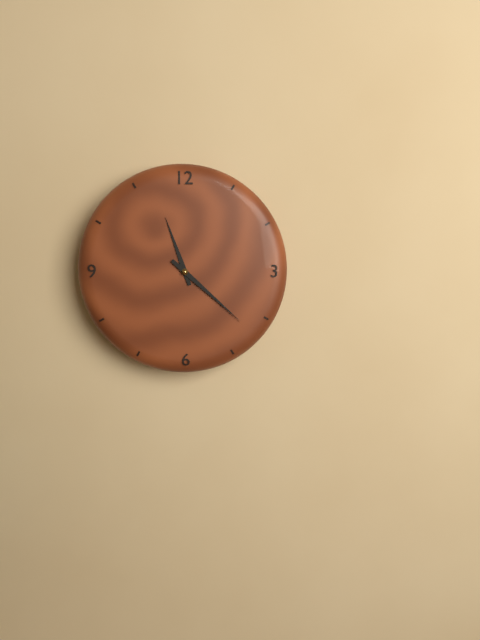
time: **11:22**
